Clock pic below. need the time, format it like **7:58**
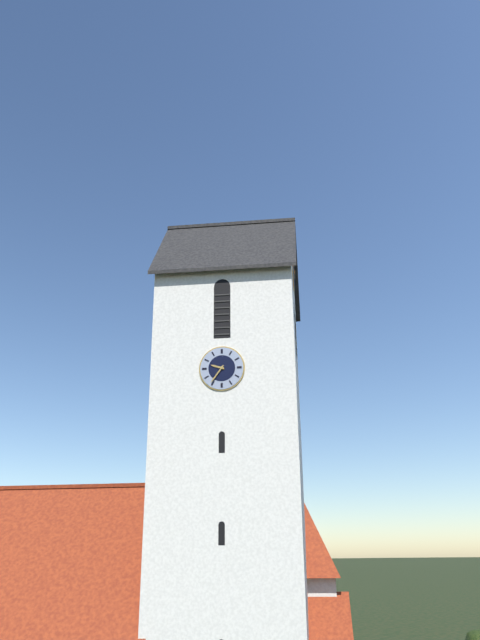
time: **9:36**
